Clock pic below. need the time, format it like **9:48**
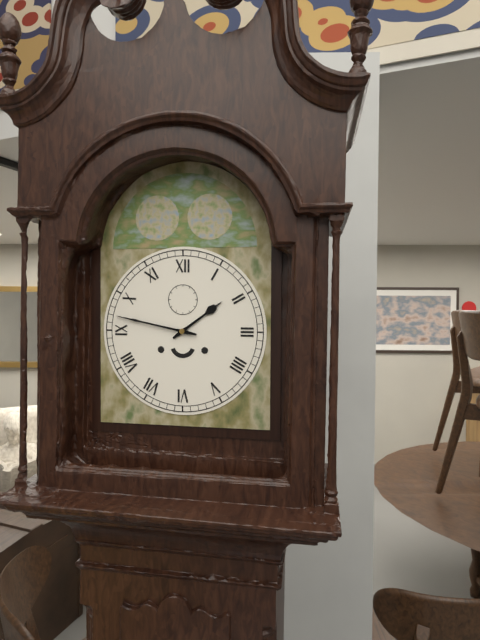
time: **1:47**
